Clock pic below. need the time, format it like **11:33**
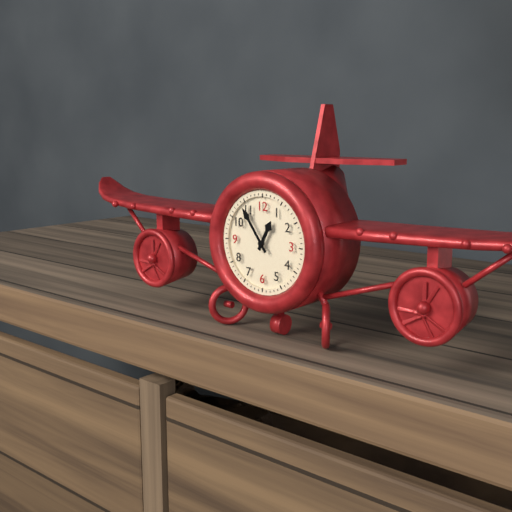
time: **12:54**
